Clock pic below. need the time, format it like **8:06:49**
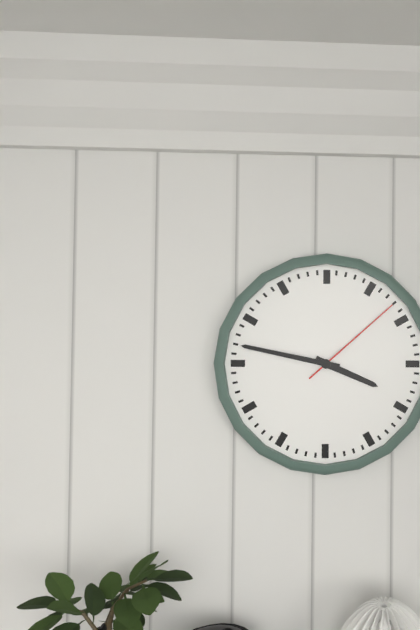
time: **3:47:08**
